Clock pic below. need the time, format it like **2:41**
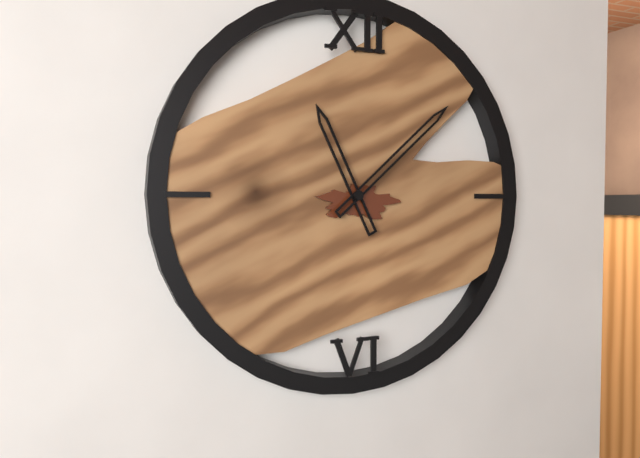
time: **11:08**
